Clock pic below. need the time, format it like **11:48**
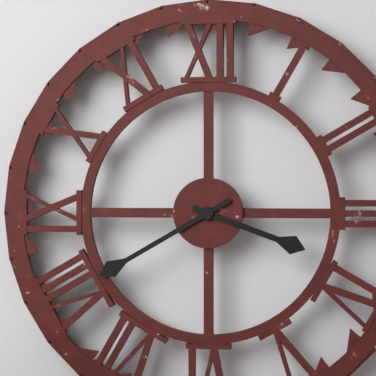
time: **3:40**
